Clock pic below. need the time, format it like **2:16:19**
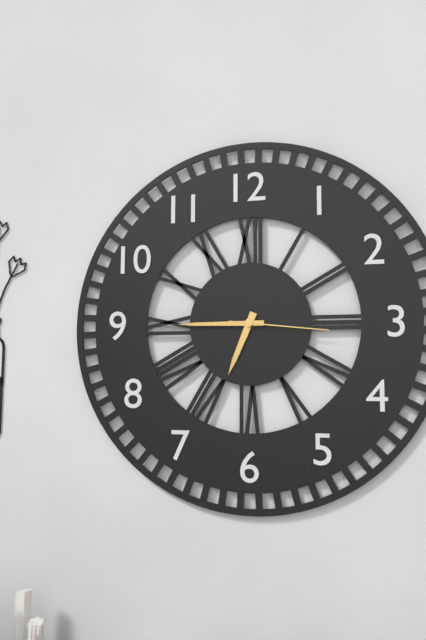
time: **6:45:16**
